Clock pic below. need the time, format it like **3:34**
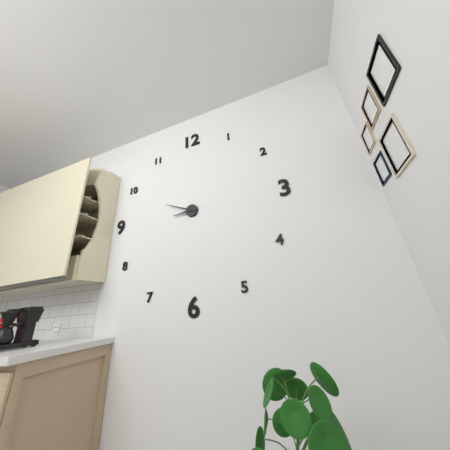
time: **8:49**
